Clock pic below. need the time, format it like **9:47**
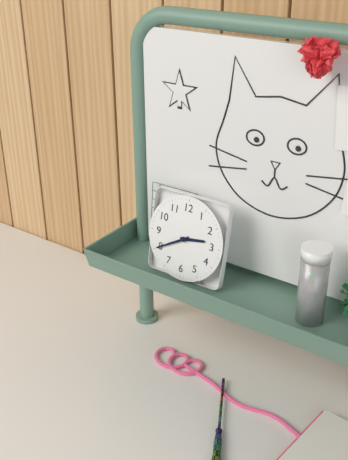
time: **2:40**
